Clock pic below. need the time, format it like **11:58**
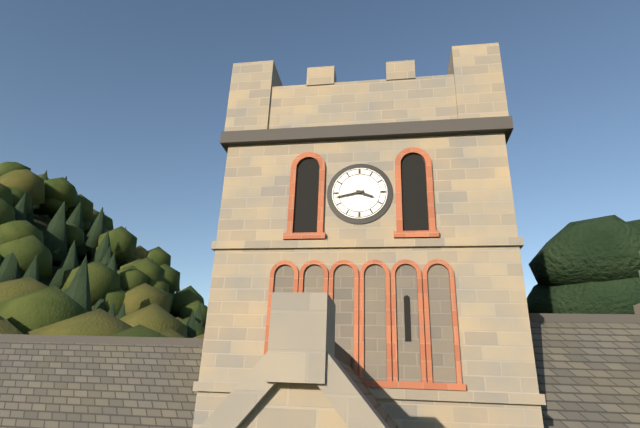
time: **3:43**
